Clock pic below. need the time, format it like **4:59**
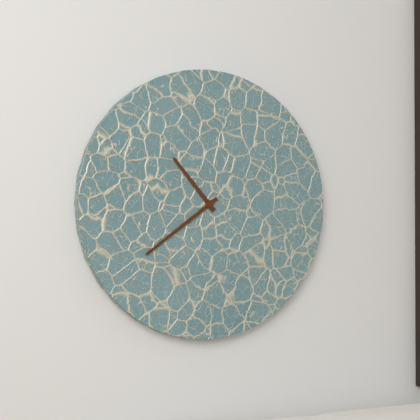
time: **10:39**
